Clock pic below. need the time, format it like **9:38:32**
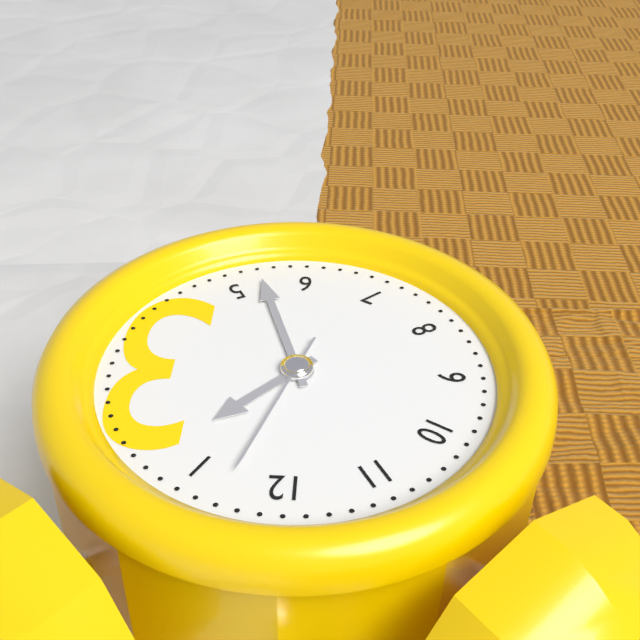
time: **1:27:03**
